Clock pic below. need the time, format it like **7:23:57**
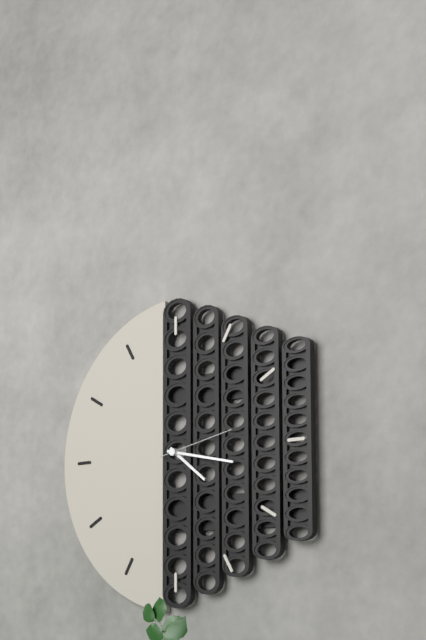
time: **4:17:13**
